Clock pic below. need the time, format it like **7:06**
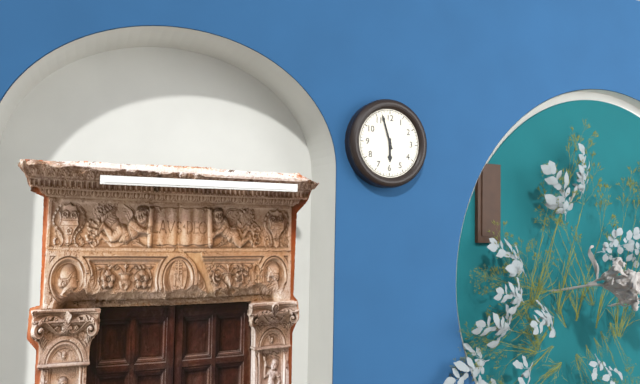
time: **5:57**
